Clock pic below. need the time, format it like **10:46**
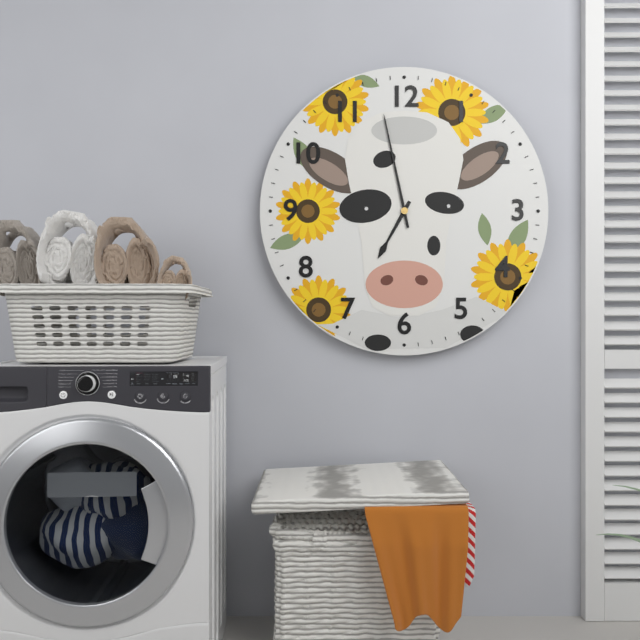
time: **6:58**
